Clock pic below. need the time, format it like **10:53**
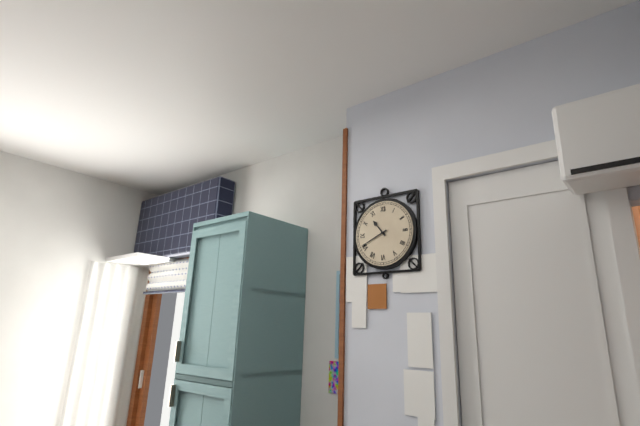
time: **10:41**
